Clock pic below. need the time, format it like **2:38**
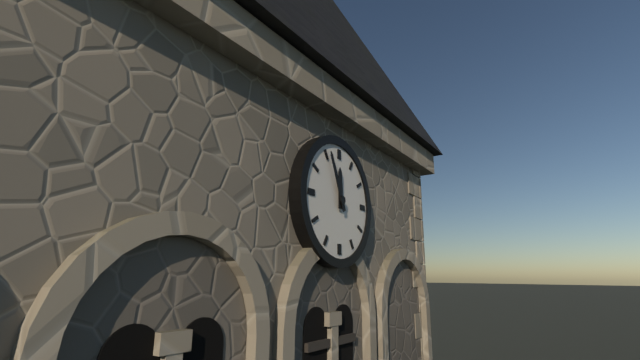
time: **11:56**
